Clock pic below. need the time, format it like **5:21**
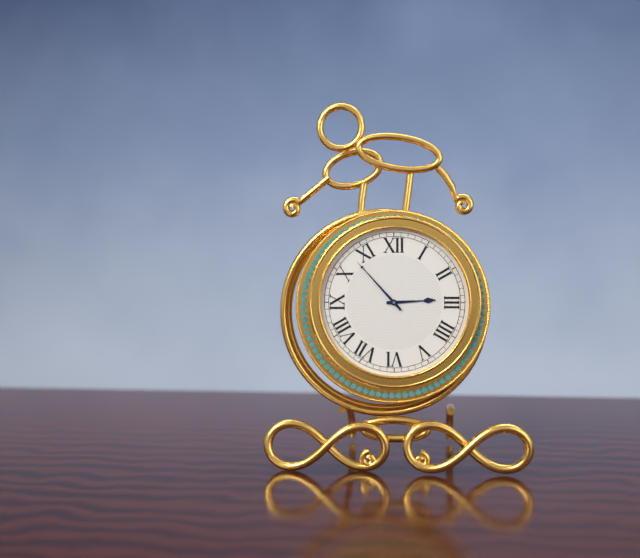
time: **2:53**
